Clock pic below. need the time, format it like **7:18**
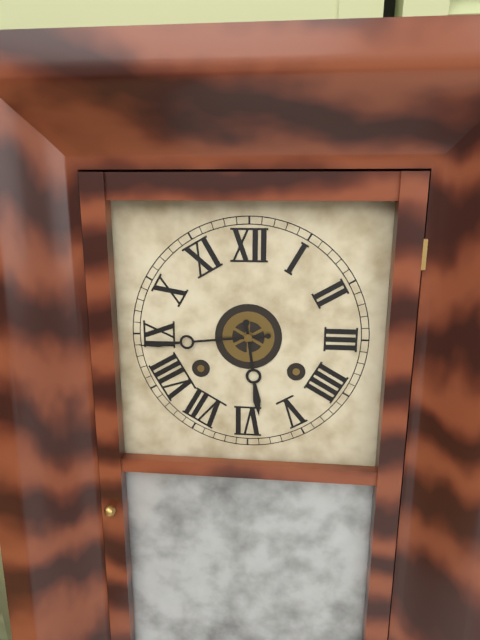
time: **5:44**
